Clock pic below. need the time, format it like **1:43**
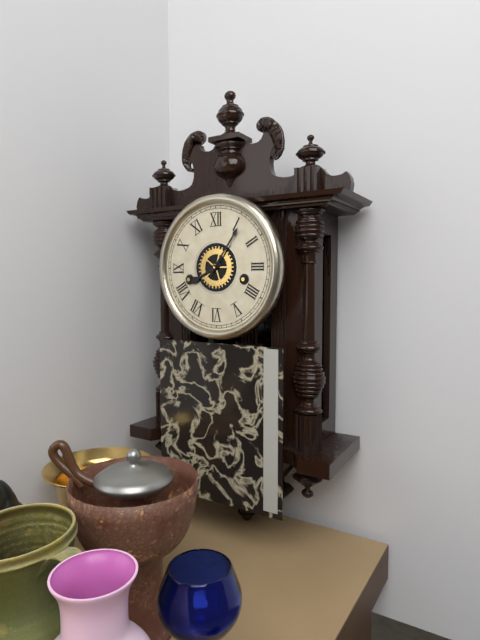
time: **8:06**
